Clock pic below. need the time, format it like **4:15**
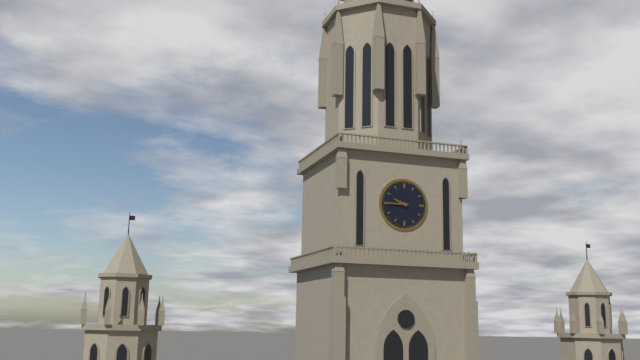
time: **9:45**
